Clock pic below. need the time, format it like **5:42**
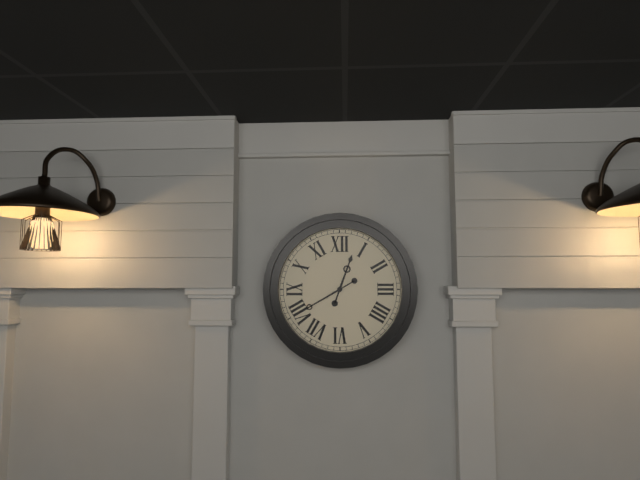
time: **12:40**
